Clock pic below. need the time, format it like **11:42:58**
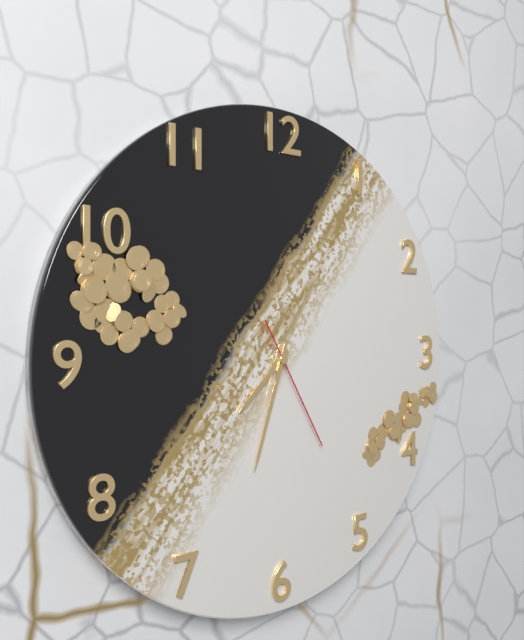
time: **7:33:25**
